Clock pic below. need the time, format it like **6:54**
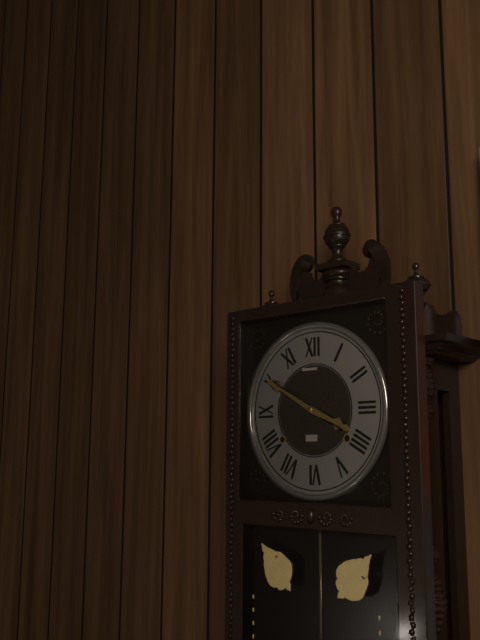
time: **3:50**
